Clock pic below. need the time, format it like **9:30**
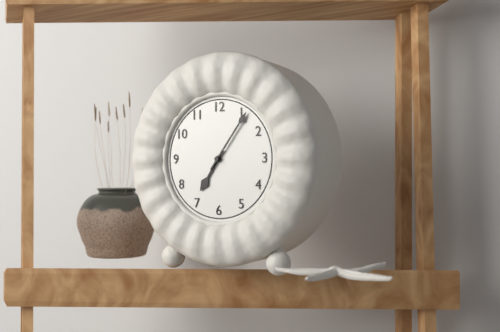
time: **7:06**
